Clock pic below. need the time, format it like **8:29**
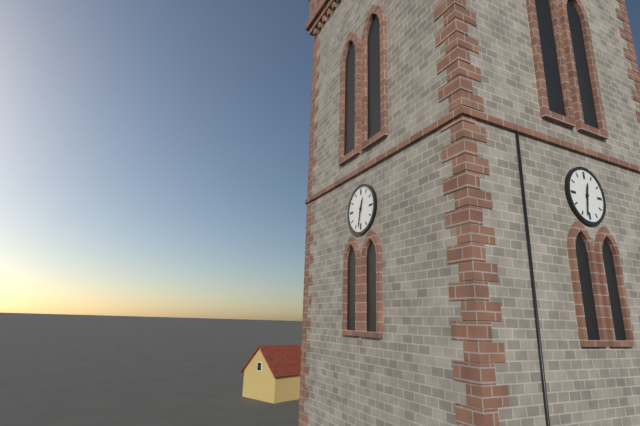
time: **12:32**
